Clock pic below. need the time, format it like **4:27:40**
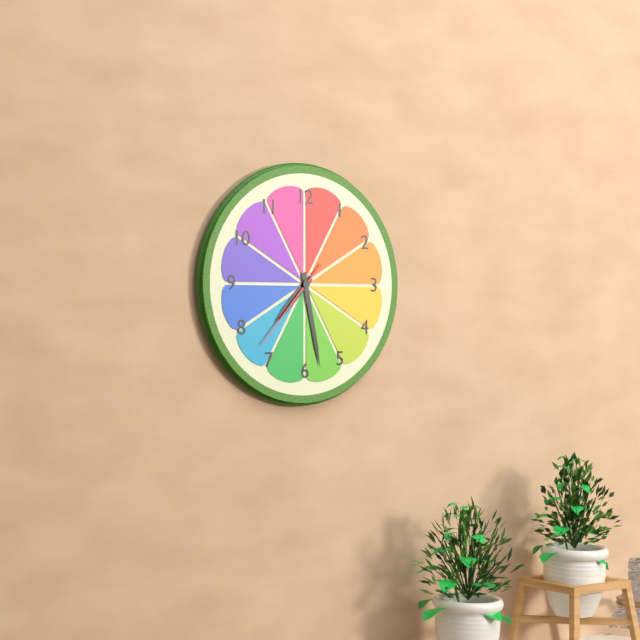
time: **7:28:37**
